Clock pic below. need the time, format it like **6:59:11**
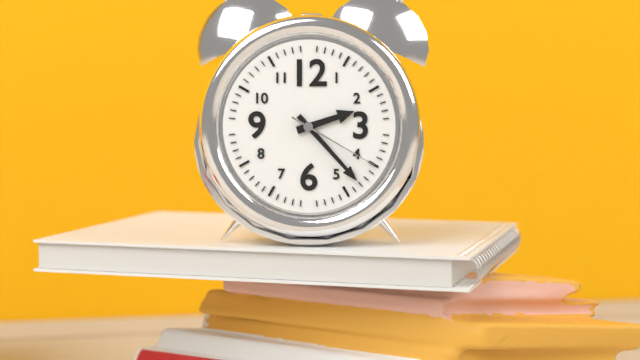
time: **2:23:20**
